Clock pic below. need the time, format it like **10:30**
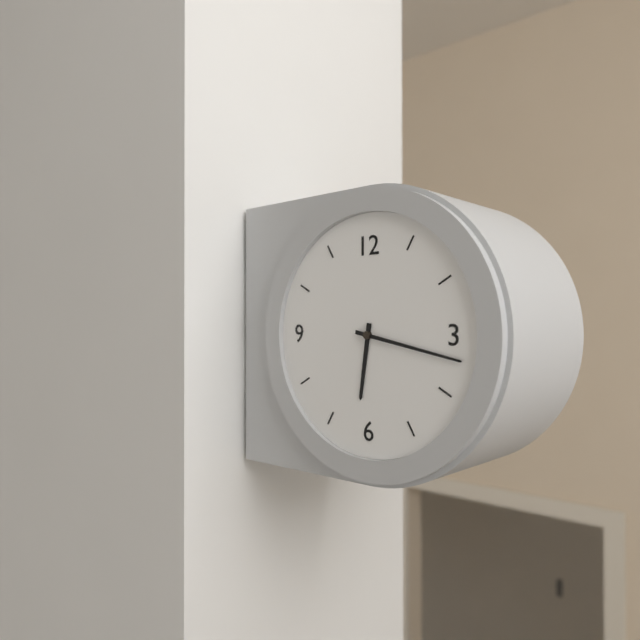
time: **6:17**
